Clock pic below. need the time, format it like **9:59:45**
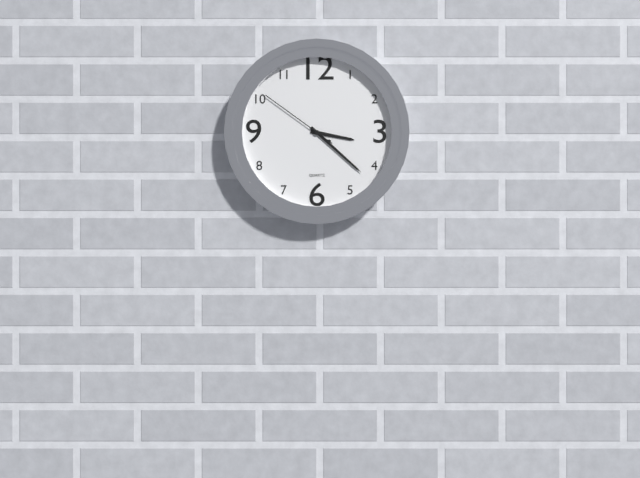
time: **3:22:51**
